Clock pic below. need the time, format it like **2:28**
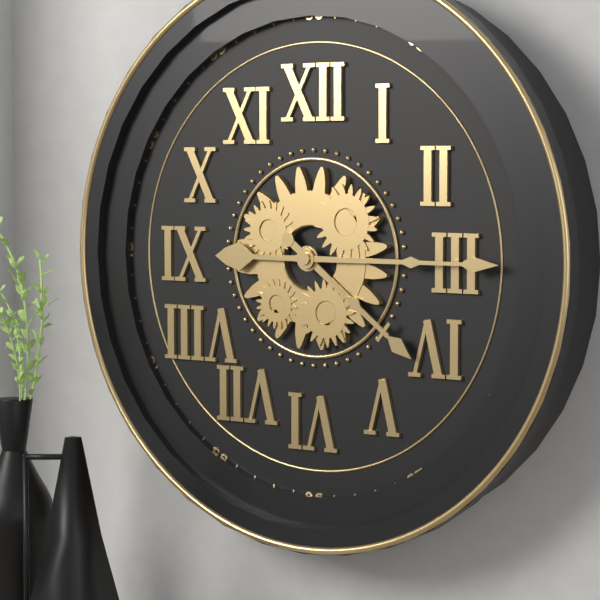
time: **4:15**
